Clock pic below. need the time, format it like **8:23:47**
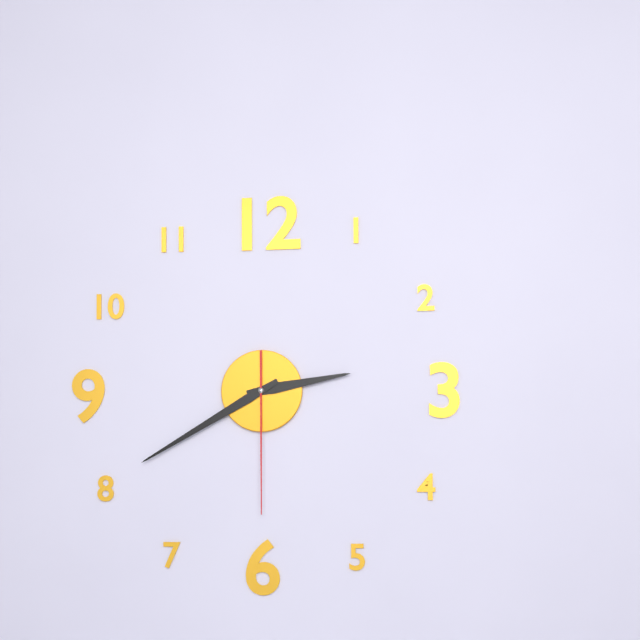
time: **2:40:30**
